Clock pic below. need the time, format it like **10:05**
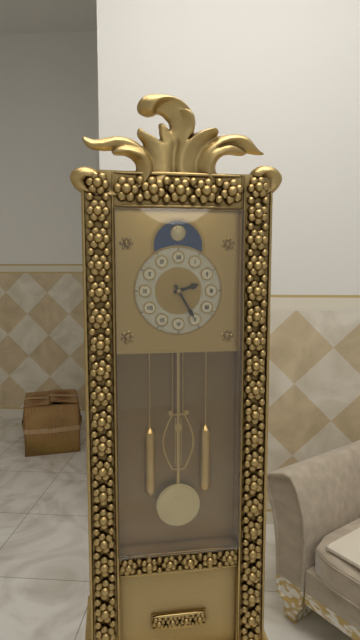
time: **2:25**
